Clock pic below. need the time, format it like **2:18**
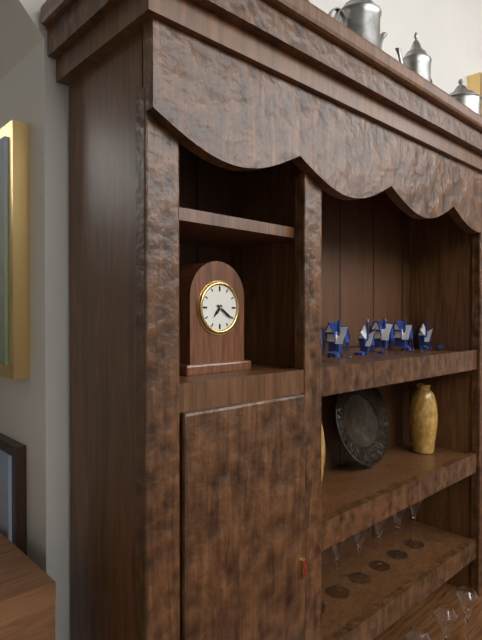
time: **7:21**
